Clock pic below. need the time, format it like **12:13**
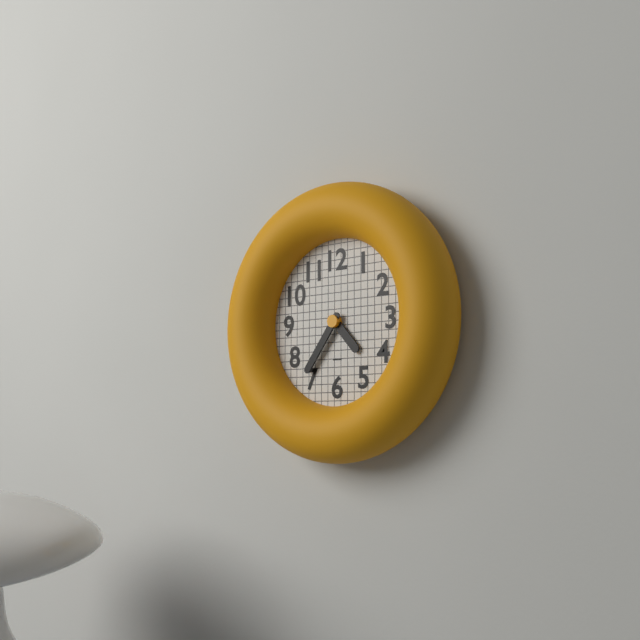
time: **4:36**
